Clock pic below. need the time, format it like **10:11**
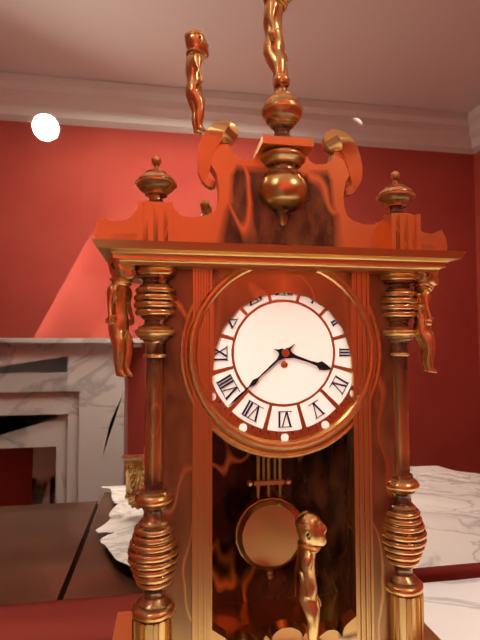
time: **3:38**
